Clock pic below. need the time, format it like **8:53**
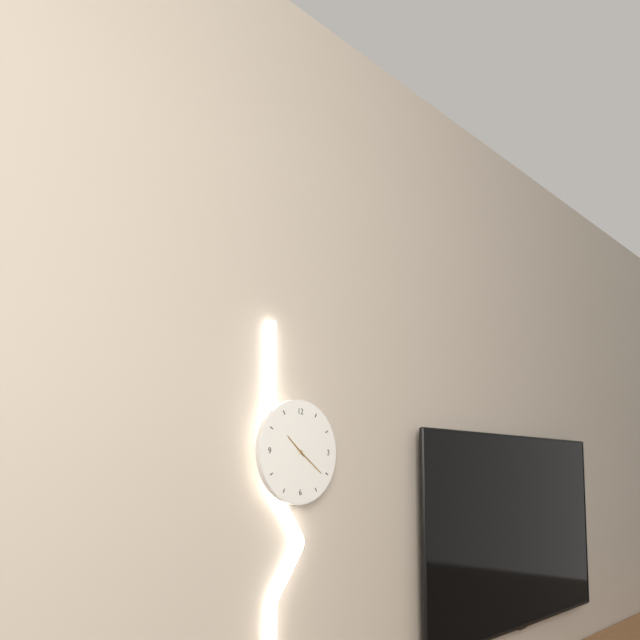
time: **10:21**
